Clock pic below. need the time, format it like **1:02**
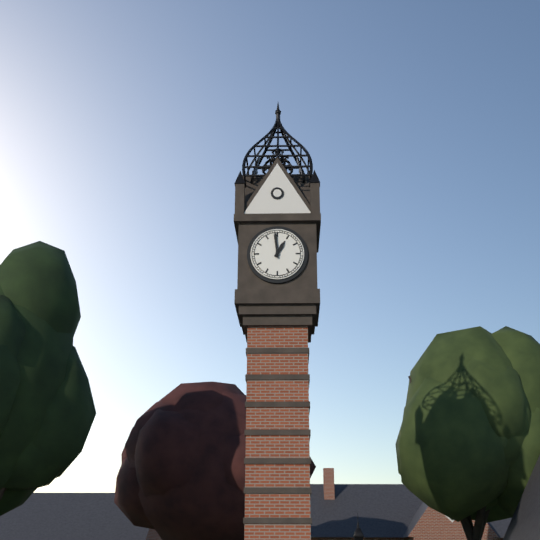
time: **12:59**
